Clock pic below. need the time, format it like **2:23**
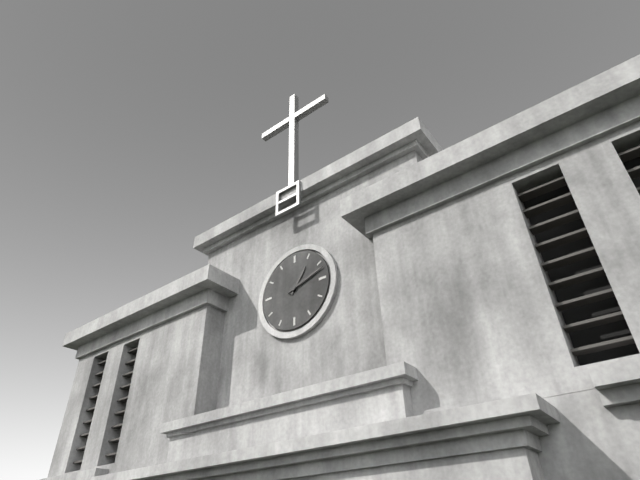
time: **1:12**
